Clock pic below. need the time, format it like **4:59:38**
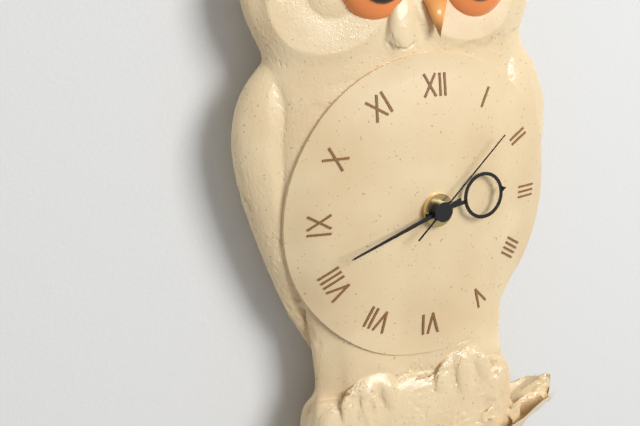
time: **2:42:08**
